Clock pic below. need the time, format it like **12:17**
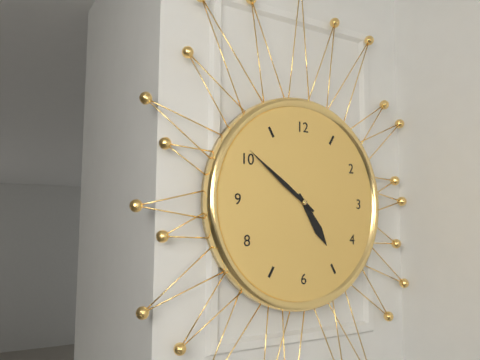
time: **4:51**
